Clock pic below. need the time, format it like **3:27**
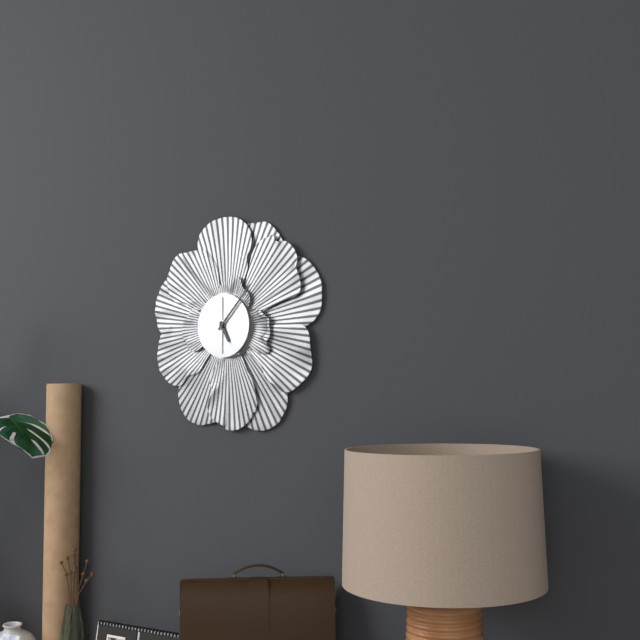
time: **5:07**
